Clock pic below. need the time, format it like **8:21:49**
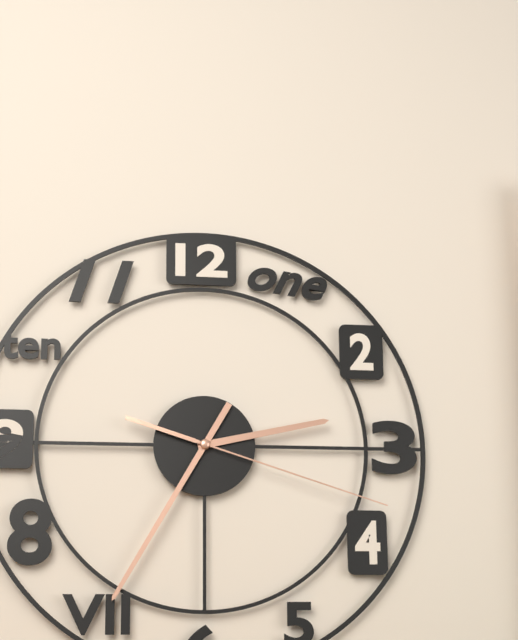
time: **2:35:18**
